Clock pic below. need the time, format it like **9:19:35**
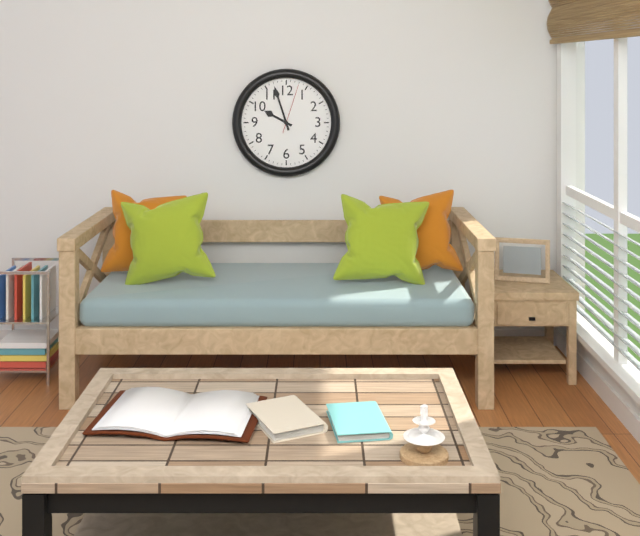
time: **9:57:03**
